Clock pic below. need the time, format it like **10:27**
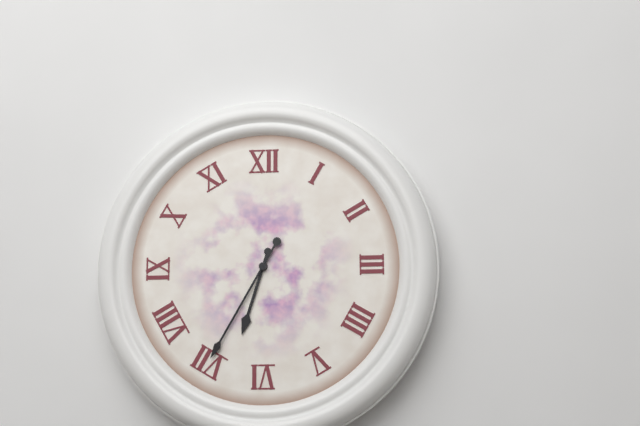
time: **6:35**
